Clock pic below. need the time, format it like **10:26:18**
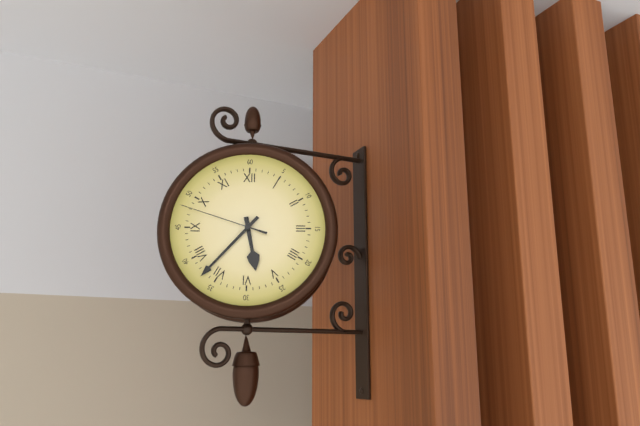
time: **5:37:48**
